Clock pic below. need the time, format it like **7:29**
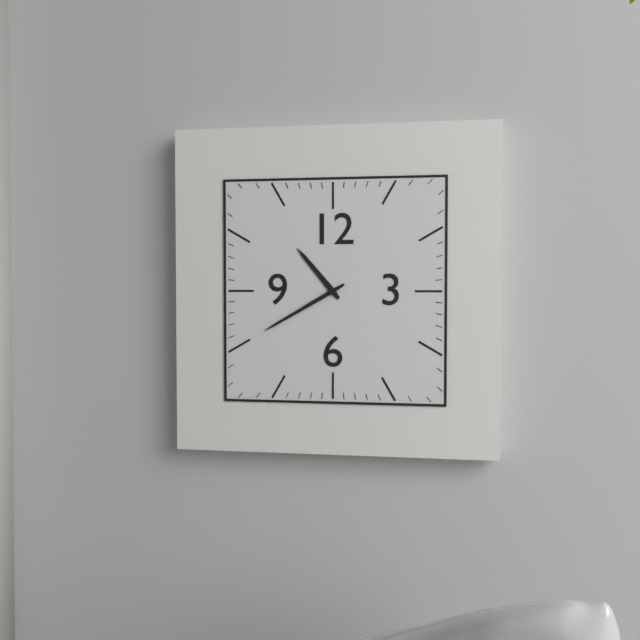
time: **10:40**
